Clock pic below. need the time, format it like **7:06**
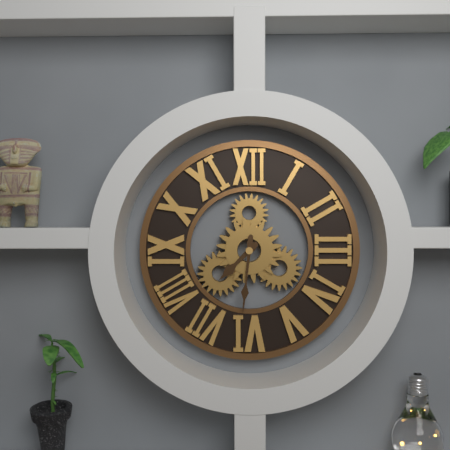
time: **7:31**
